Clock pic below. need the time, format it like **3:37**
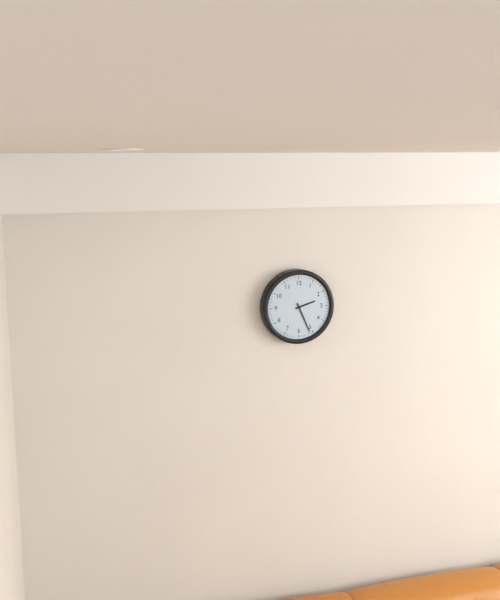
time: **2:26**
